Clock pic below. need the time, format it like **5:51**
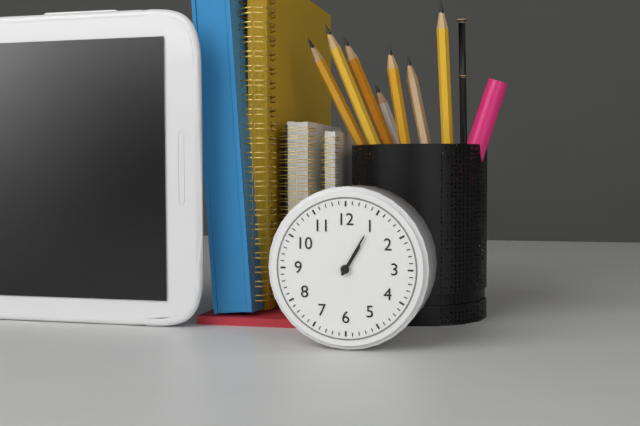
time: **1:05**
